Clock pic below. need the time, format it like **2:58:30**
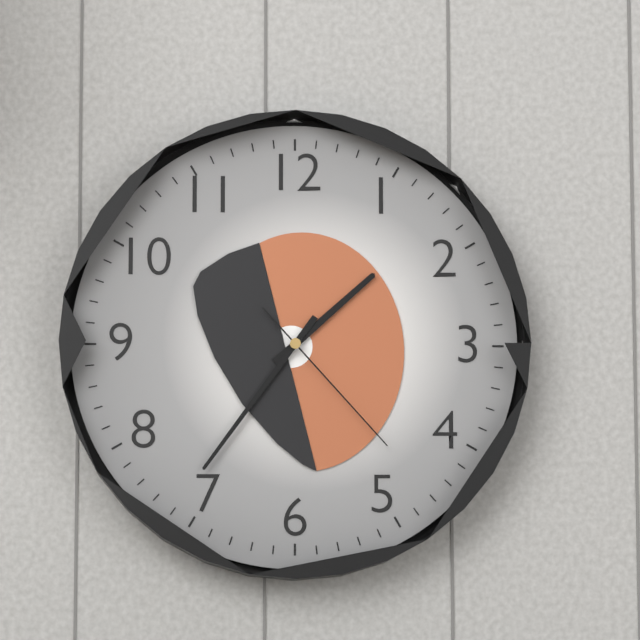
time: **1:36:23**
